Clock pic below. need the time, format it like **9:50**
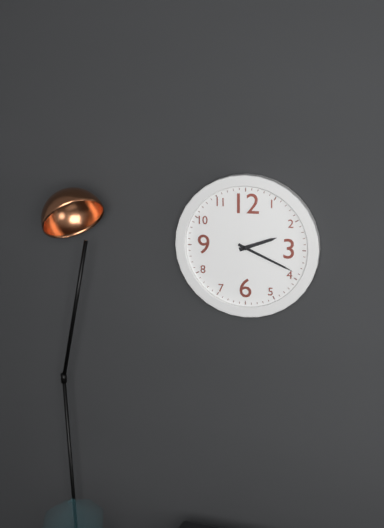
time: **2:19**
